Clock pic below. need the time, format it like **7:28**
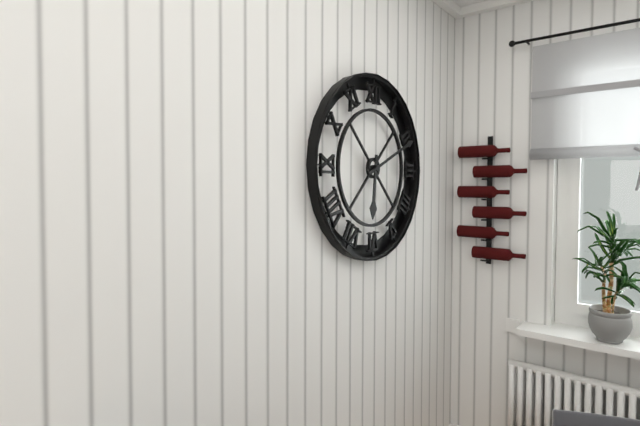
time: **6:11**
